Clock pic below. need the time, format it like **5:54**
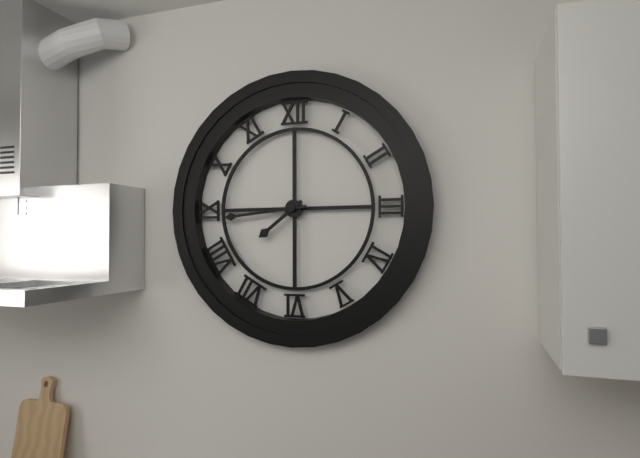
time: **7:44**
